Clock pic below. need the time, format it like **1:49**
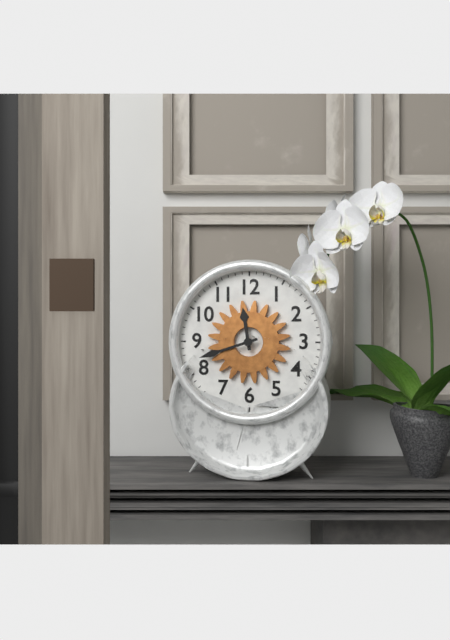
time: **11:42**
